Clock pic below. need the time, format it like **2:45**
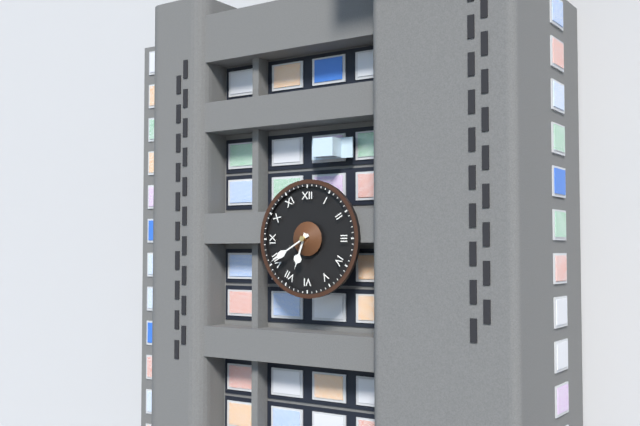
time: **6:40**
